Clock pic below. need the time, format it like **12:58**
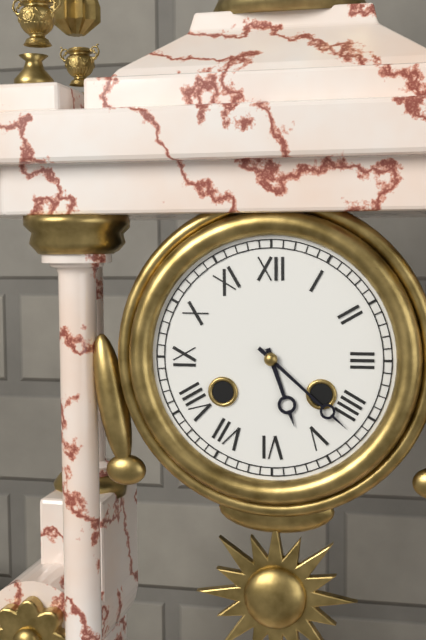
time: **5:22**
